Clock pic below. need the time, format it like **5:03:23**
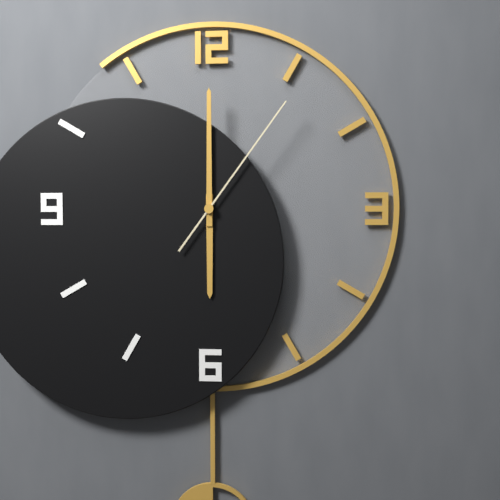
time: **6:00:06**
